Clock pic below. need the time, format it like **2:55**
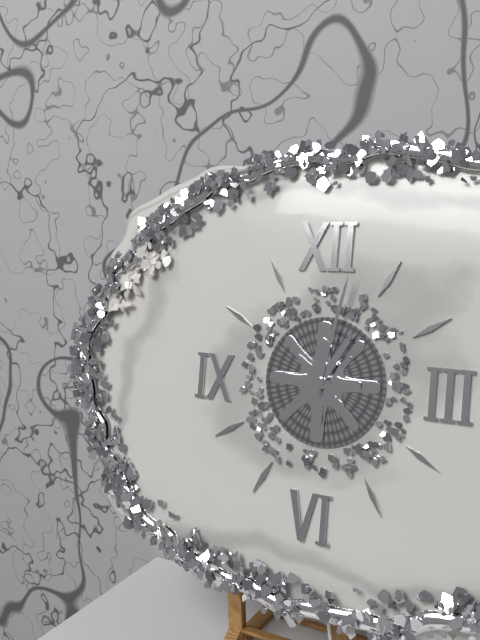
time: **1:02**
